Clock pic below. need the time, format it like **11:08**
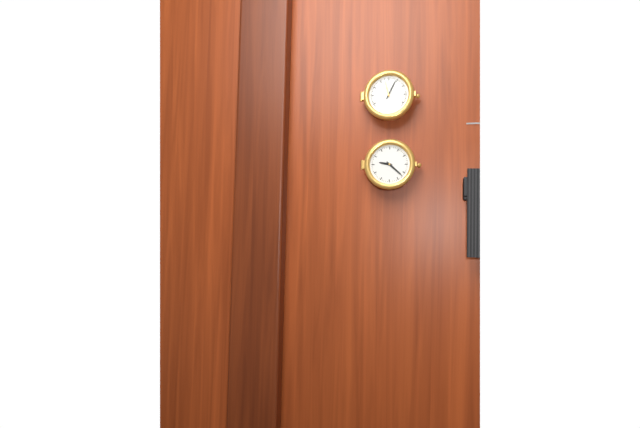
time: **9:22**
